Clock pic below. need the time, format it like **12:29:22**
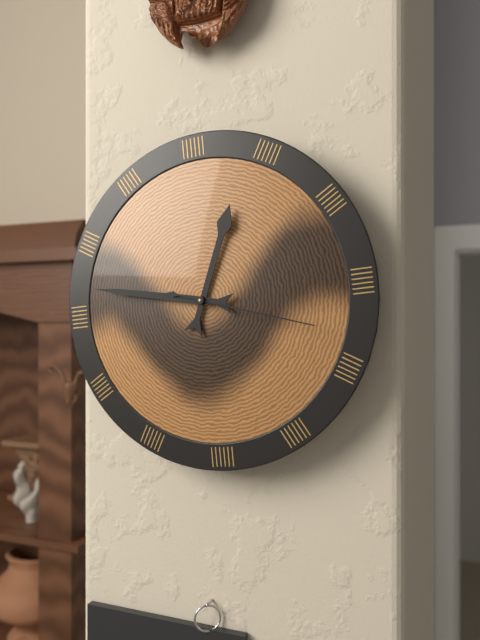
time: **12:47:18**
